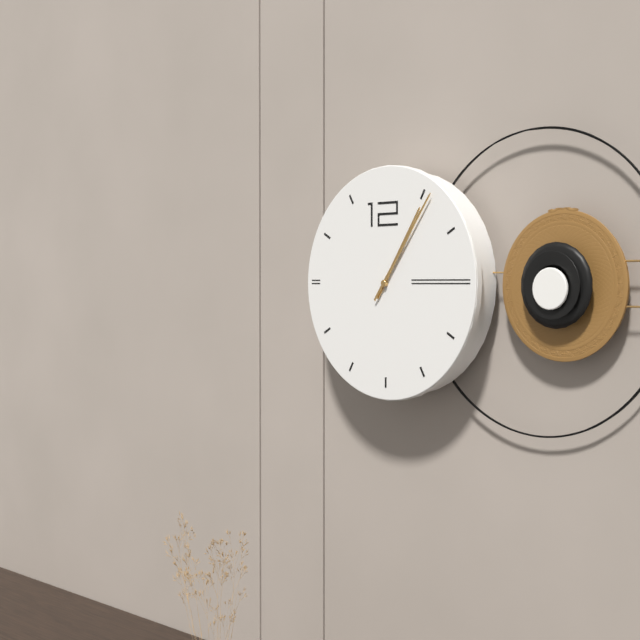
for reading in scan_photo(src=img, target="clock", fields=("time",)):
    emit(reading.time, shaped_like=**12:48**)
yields **1:06**
